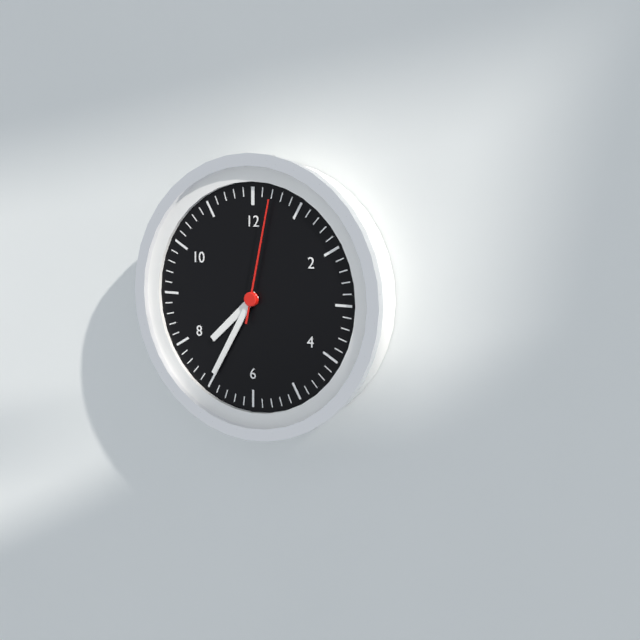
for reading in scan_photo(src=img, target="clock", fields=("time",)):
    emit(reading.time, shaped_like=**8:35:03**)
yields **7:35:02**
